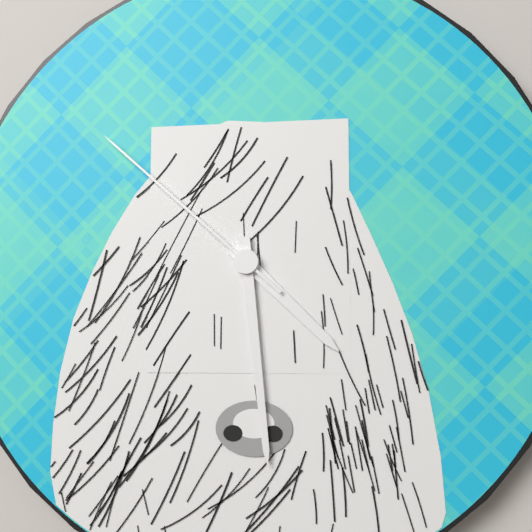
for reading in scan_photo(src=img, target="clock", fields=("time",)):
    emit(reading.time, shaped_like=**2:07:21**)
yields **4:29:52**
